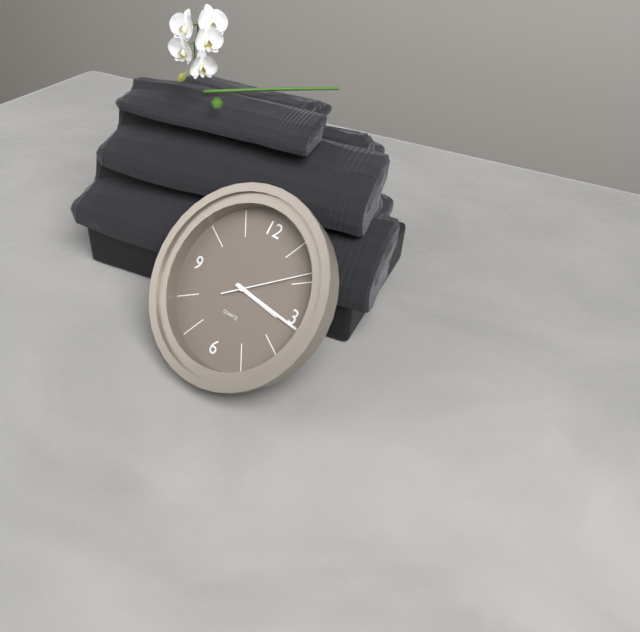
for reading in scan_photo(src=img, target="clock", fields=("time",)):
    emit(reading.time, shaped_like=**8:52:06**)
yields **3:16:09**
